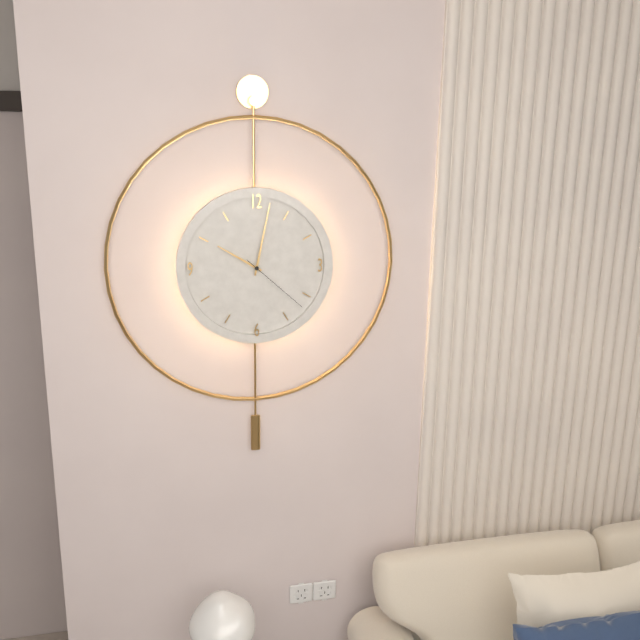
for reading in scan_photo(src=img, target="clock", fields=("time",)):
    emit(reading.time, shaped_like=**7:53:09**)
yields **10:02:22**
